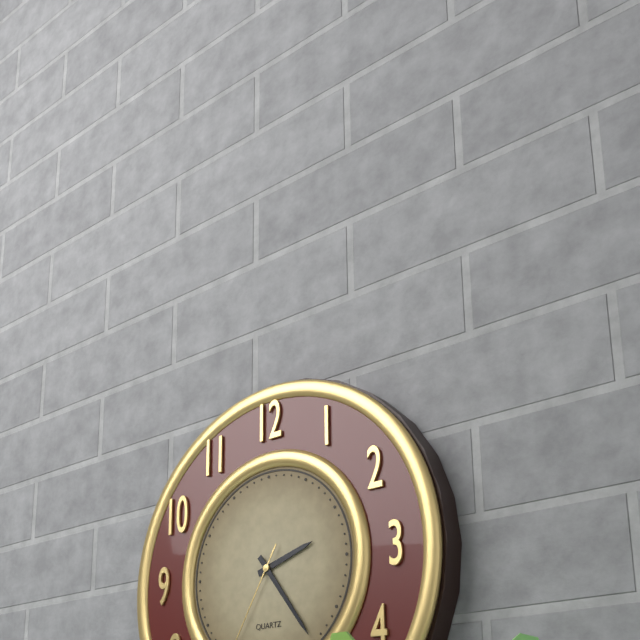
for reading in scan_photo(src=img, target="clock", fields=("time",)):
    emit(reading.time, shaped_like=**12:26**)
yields **2:24**
